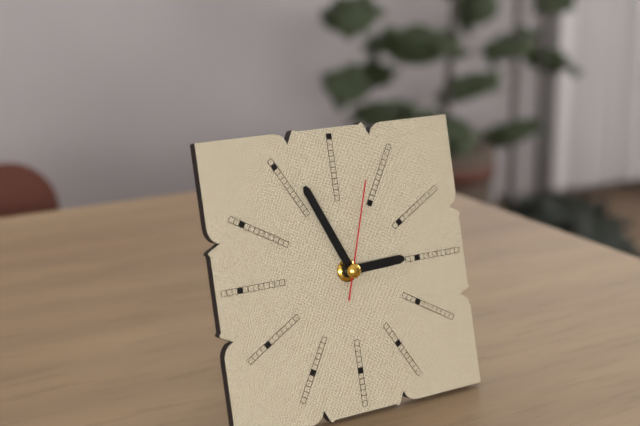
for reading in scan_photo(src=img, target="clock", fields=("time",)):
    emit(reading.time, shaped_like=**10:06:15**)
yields **2:56:03**
